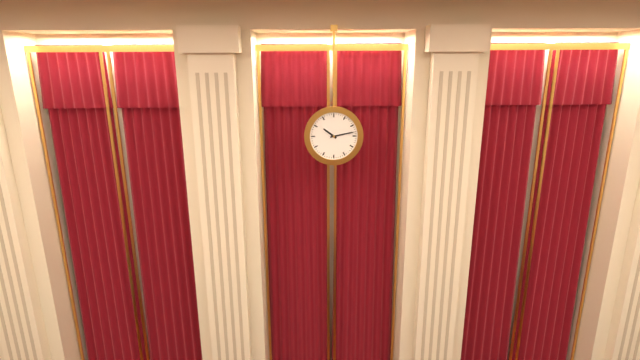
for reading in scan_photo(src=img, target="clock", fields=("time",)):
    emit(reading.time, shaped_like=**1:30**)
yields **10:13**
